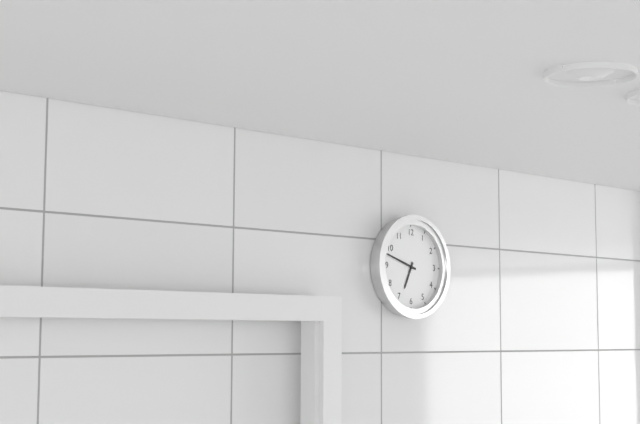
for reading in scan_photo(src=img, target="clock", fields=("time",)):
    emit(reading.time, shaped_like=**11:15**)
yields **6:48**
